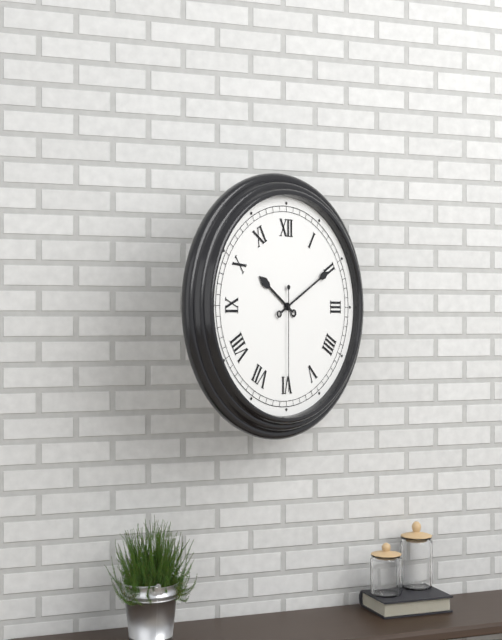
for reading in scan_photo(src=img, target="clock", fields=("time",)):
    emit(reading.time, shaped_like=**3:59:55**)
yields **10:10:30**
